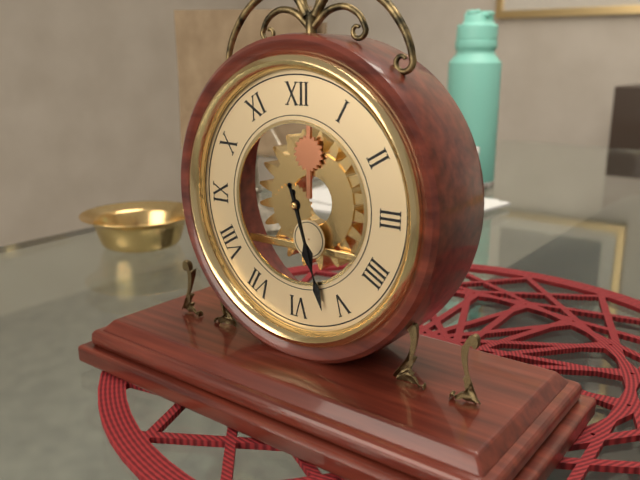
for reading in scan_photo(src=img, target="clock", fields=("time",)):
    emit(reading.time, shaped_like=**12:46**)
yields **5:27**
